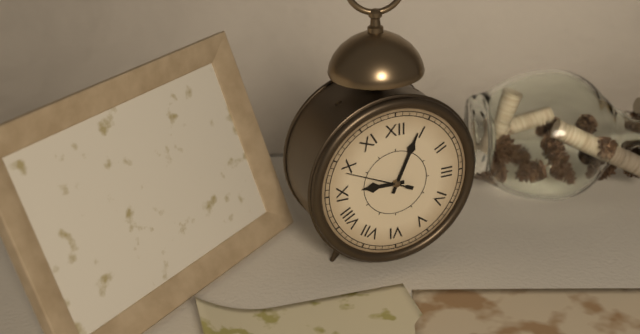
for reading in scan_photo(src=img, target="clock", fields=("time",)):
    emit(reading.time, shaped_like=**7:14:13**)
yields **9:04:49**
